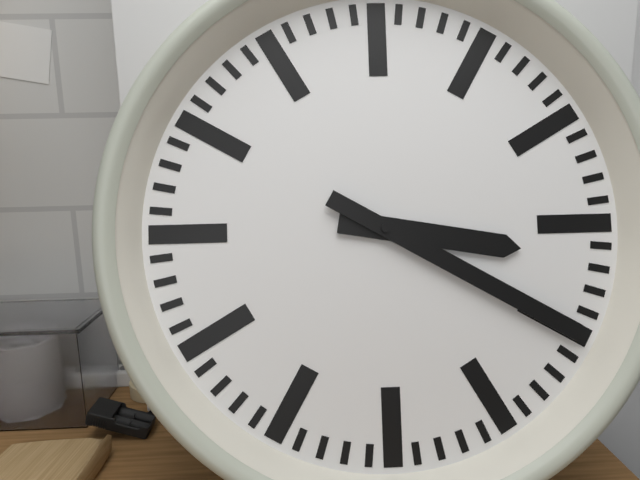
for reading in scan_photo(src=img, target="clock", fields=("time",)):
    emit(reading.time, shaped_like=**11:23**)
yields **3:20**
